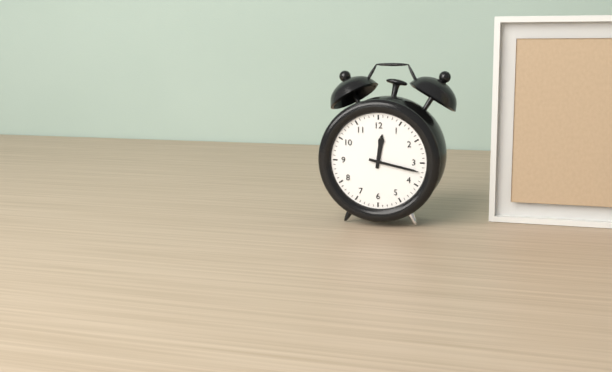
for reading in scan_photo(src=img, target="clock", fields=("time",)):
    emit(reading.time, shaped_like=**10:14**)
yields **12:17**
